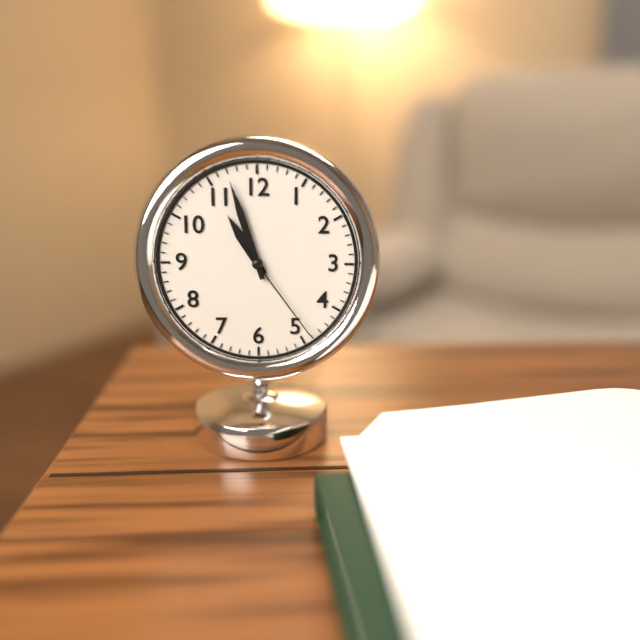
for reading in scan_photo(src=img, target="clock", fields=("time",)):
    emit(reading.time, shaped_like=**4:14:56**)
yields **10:57:24**
